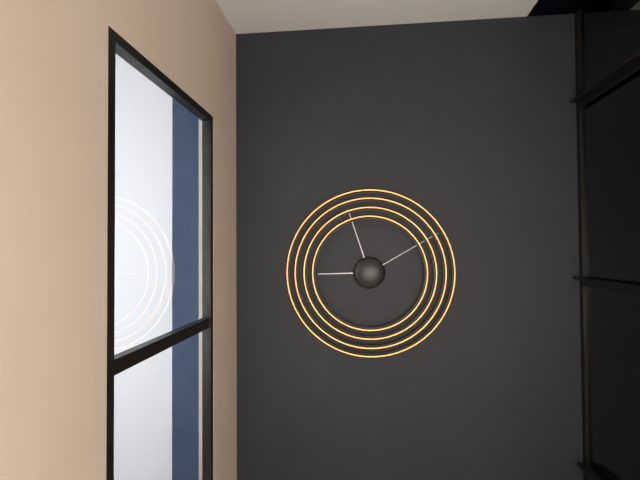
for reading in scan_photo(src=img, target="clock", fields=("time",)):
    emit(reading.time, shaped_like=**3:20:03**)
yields **8:57:10**
